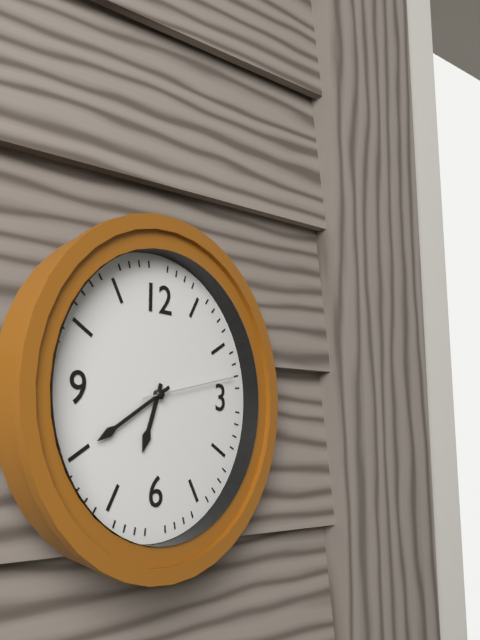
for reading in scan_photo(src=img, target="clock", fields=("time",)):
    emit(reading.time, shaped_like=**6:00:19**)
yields **6:40:13**
